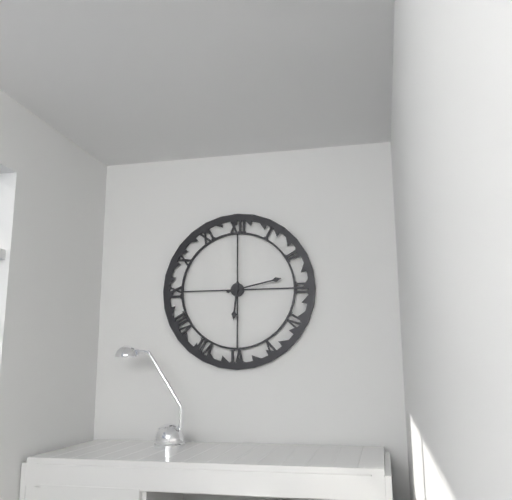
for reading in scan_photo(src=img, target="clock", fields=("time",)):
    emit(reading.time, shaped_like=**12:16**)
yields **6:13**
